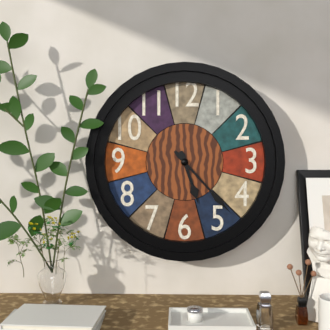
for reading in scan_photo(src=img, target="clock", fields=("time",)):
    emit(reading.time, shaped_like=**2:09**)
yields **5:23**
